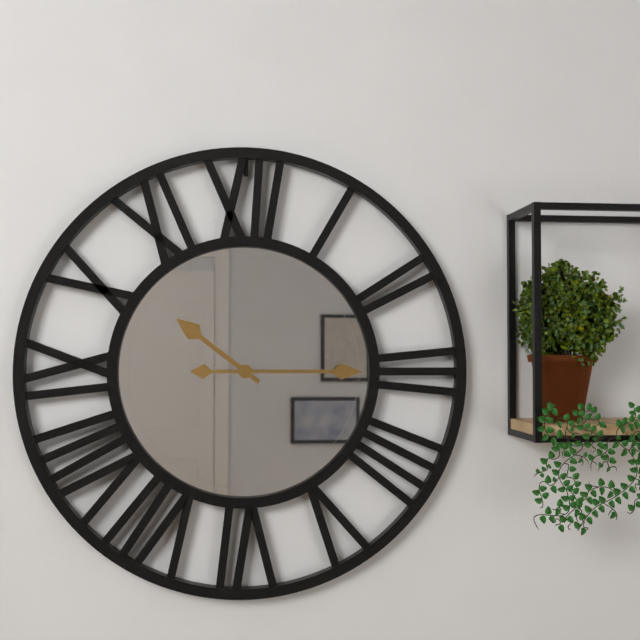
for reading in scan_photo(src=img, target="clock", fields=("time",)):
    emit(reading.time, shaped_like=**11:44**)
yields **10:15**
